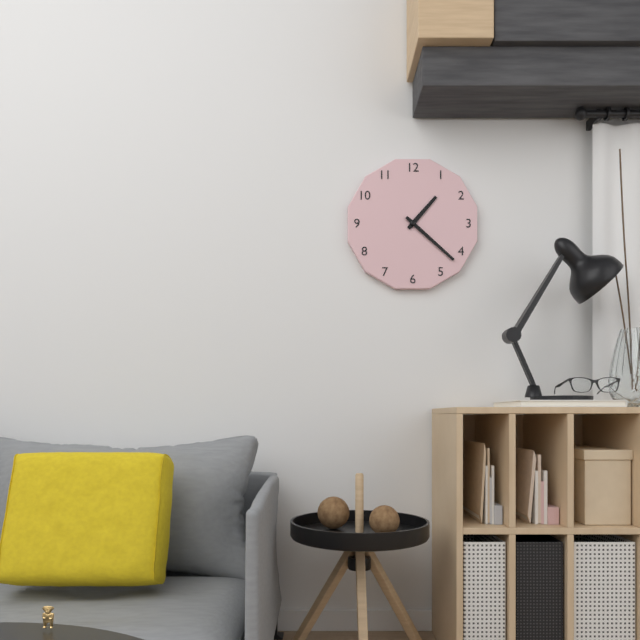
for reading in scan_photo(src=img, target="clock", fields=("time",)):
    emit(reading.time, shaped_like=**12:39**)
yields **1:22**
